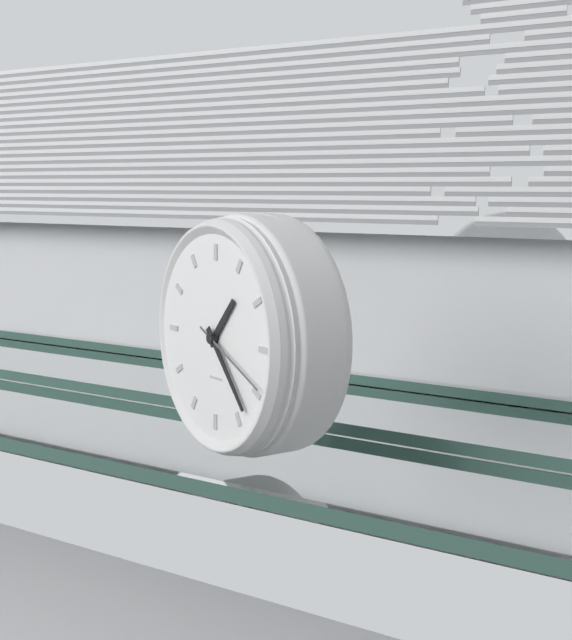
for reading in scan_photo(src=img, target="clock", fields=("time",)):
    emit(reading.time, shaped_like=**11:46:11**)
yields **1:23:19**
